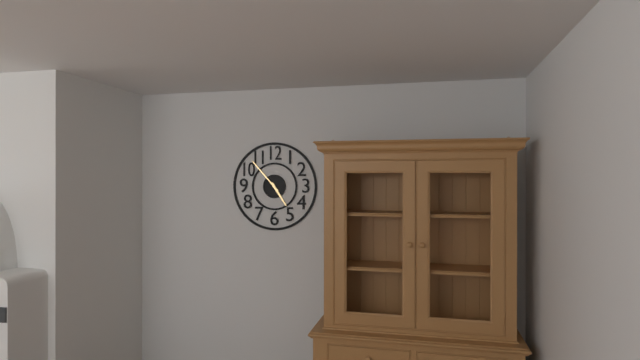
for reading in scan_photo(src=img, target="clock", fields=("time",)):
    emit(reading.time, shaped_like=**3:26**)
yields **4:53**
